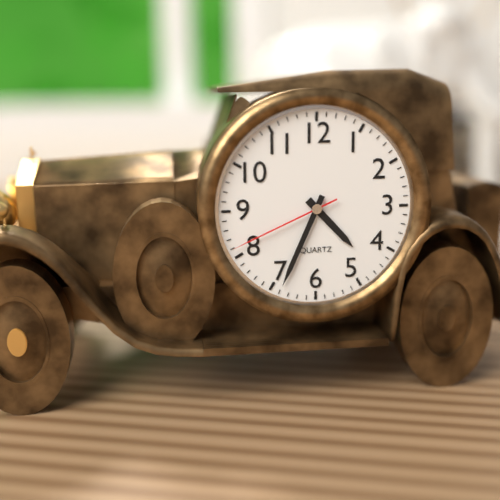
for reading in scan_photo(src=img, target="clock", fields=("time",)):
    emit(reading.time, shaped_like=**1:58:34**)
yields **4:34:41**
